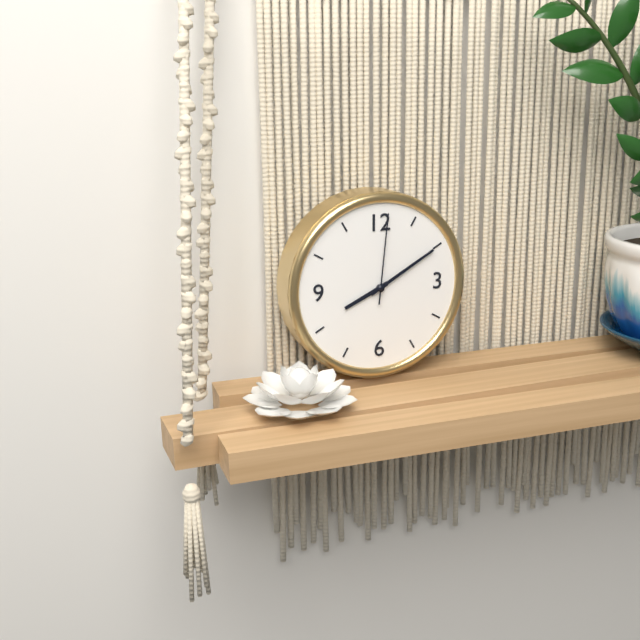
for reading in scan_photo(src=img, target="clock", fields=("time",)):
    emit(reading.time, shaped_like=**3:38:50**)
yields **8:10:01**
